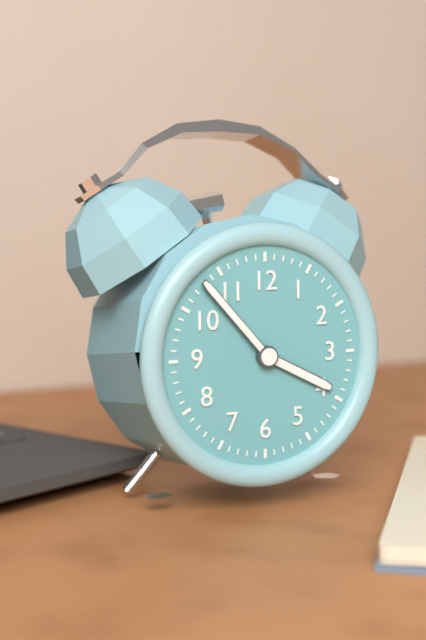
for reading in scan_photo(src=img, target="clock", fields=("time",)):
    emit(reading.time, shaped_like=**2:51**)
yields **3:53**
